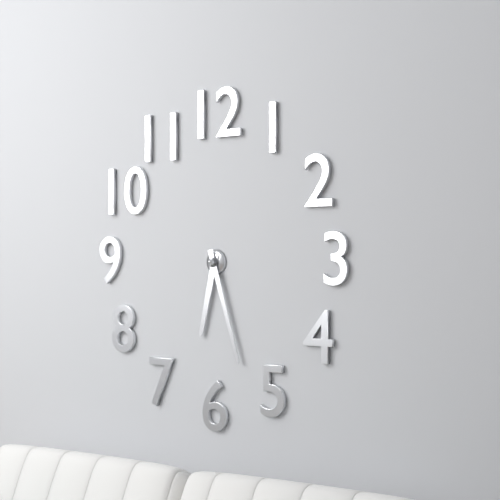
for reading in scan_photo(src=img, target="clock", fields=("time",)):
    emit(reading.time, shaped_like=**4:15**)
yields **6:27**
